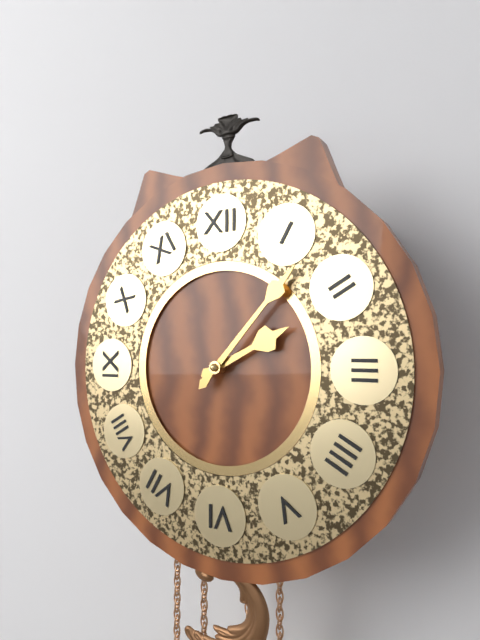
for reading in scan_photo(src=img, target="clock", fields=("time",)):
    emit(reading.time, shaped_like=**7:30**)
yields **2:07**
